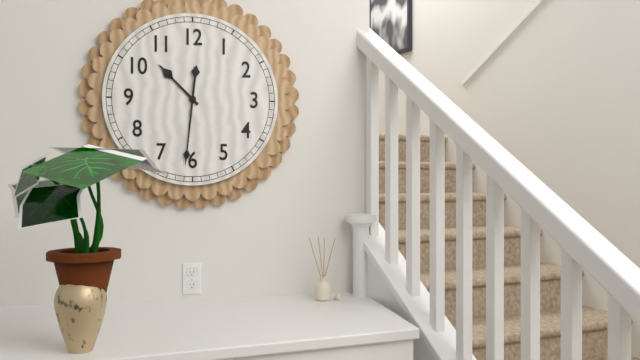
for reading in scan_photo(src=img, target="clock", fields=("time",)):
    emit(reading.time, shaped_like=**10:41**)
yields **10:31**
